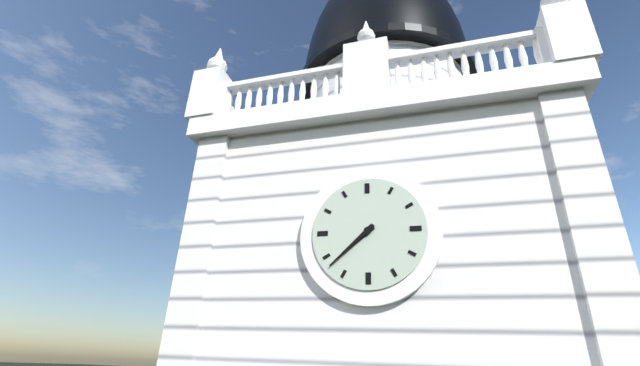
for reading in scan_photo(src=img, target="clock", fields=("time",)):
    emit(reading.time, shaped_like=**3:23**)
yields **7:38**
